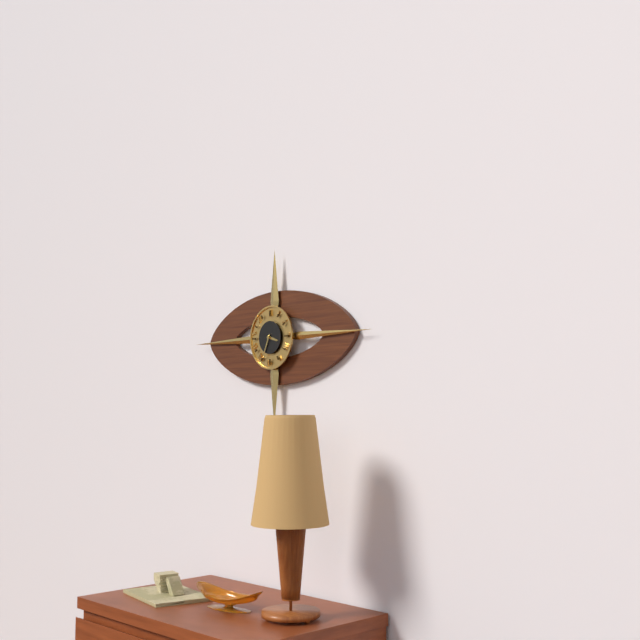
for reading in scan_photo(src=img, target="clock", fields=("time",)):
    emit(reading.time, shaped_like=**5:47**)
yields **3:34**
